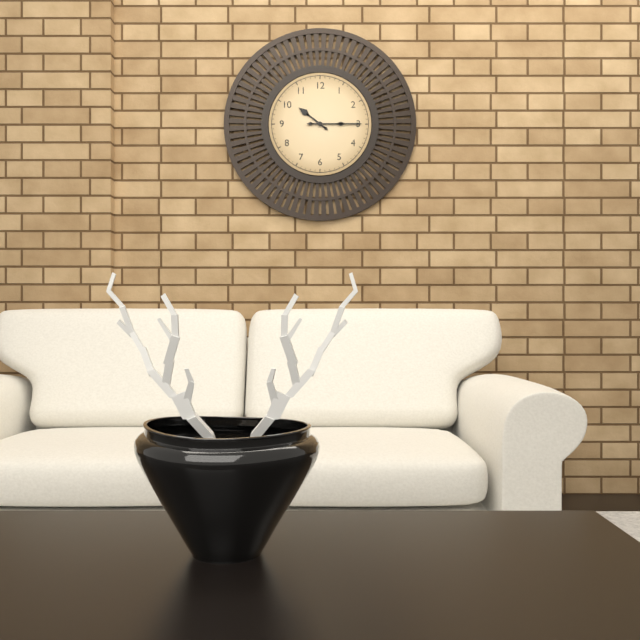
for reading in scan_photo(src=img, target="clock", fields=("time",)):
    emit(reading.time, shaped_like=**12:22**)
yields **10:15**
